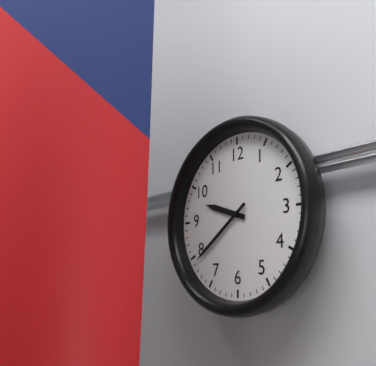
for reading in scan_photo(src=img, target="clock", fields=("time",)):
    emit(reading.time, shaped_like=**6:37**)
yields **9:39**
